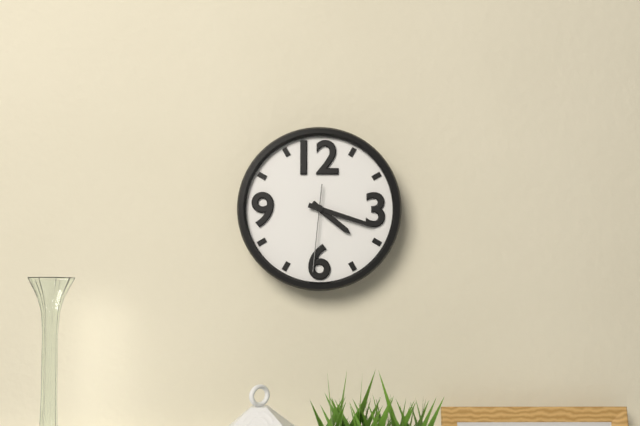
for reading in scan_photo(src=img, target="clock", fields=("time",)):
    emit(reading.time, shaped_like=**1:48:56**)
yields **4:18:31**
